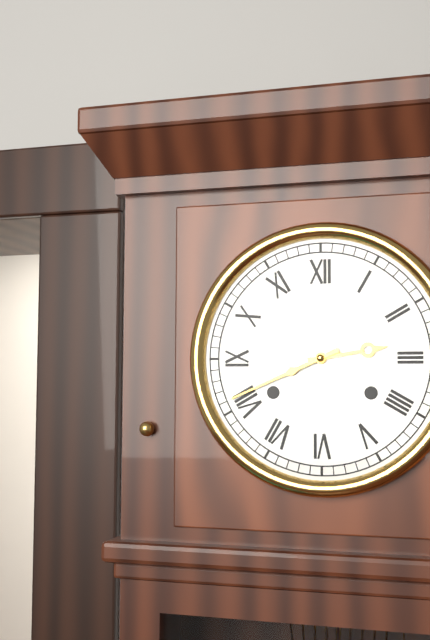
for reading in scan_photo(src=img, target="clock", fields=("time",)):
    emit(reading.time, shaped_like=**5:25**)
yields **2:41**
